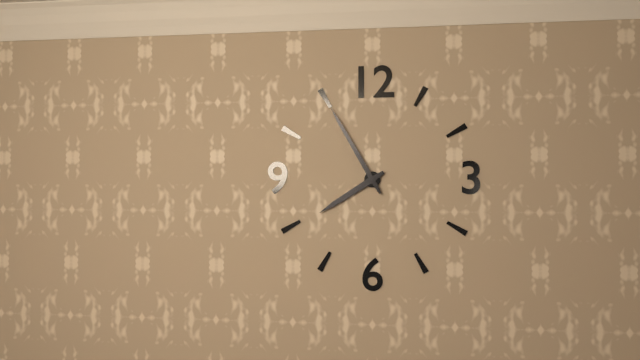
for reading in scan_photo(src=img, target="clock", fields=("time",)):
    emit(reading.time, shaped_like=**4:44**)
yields **7:55**
